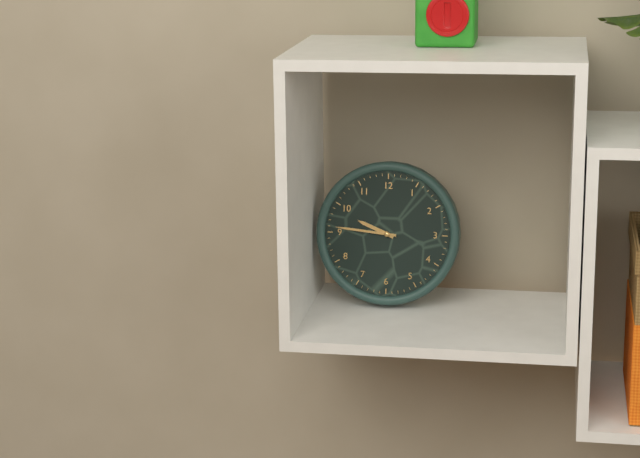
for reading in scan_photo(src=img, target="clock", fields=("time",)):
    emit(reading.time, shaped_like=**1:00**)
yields **9:46**
